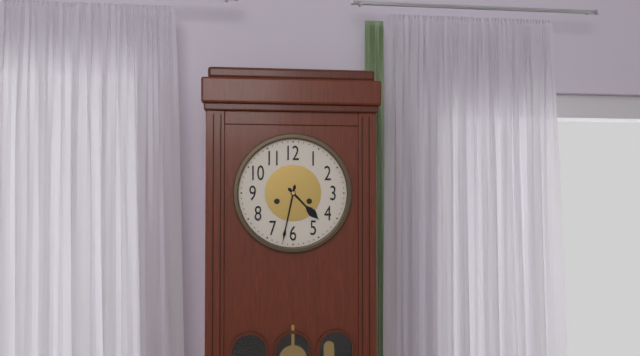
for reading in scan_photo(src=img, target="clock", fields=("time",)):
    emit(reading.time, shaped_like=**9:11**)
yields **4:32**
